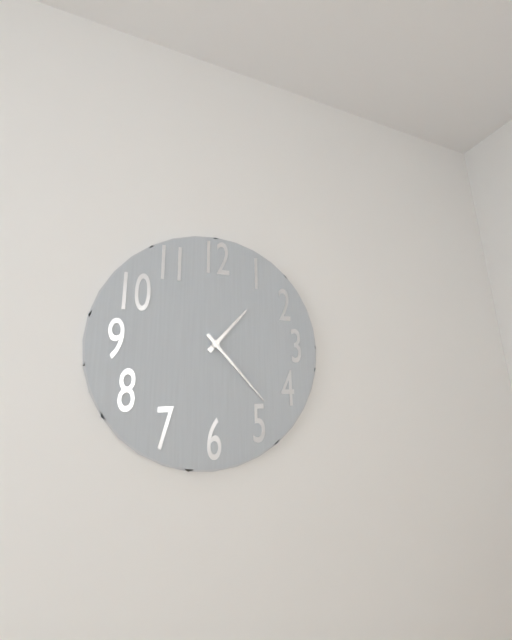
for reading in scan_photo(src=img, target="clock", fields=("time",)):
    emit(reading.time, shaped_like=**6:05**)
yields **1:23**
